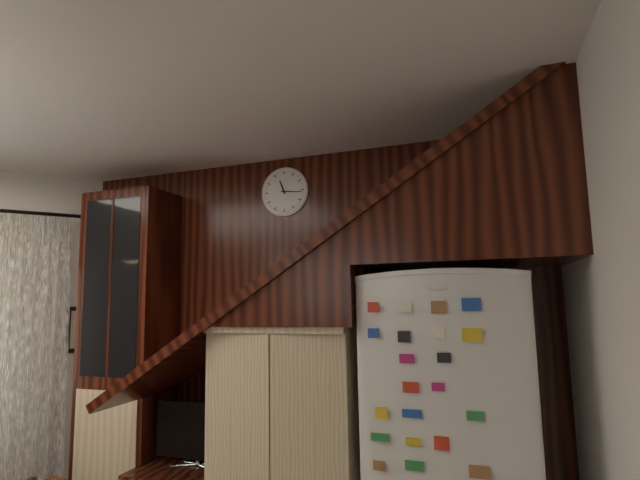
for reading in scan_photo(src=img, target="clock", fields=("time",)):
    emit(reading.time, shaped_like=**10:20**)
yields **11:16**
